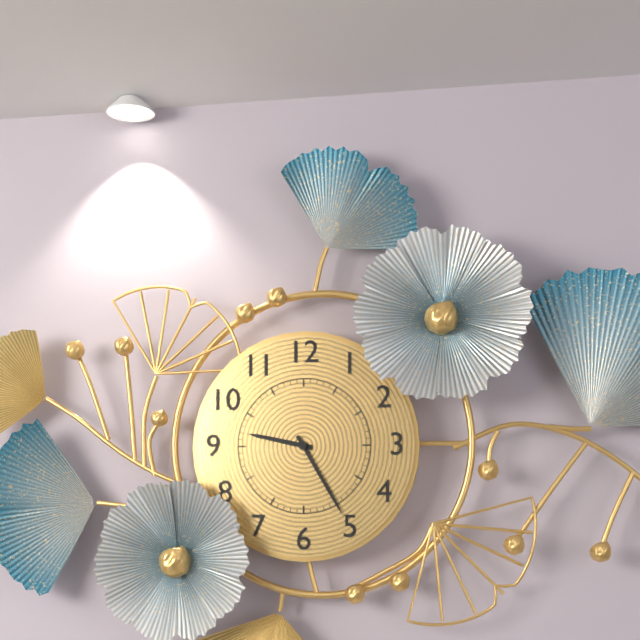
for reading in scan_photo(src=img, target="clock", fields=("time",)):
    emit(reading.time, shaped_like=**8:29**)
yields **9:25**
